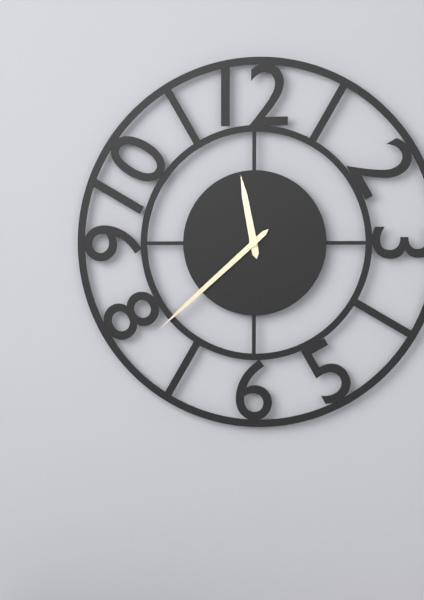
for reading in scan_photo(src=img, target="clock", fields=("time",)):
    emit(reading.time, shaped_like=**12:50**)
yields **11:38**
